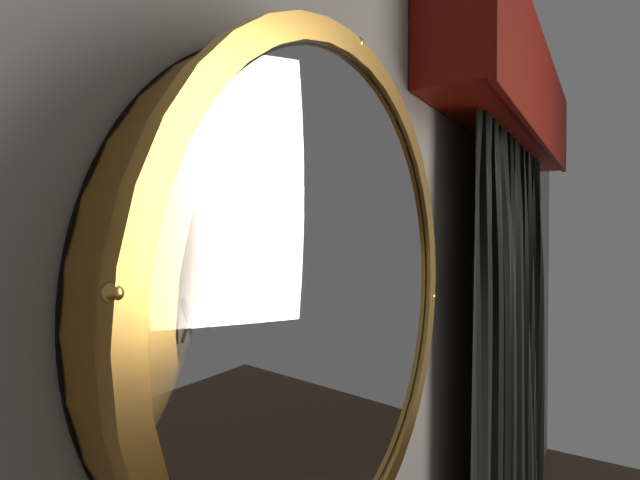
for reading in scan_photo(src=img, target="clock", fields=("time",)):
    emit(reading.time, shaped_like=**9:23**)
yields **8:03**
